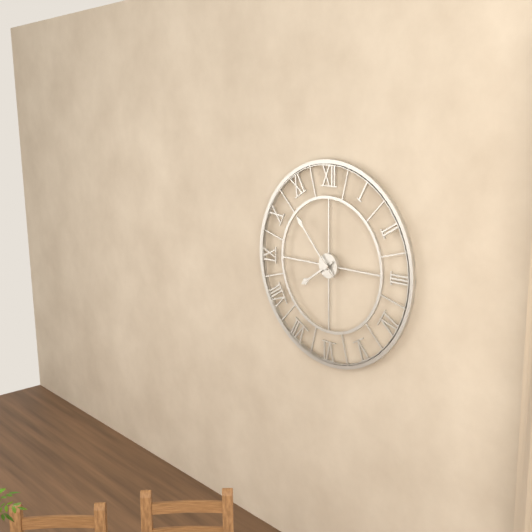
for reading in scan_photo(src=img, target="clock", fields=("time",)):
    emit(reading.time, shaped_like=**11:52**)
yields **7:53**
